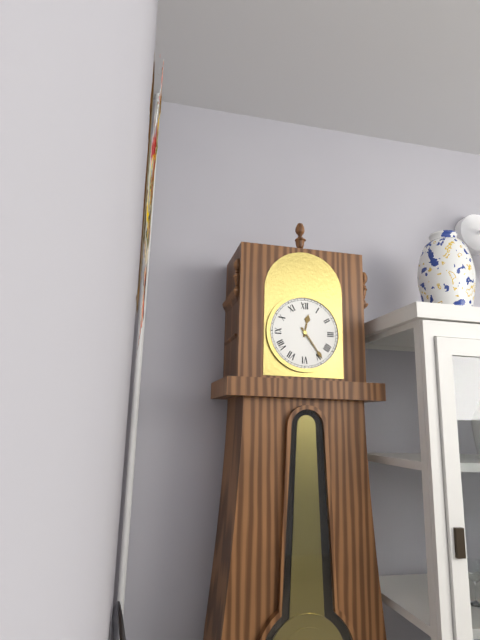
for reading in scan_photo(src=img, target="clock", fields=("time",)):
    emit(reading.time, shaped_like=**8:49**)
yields **12:24**
